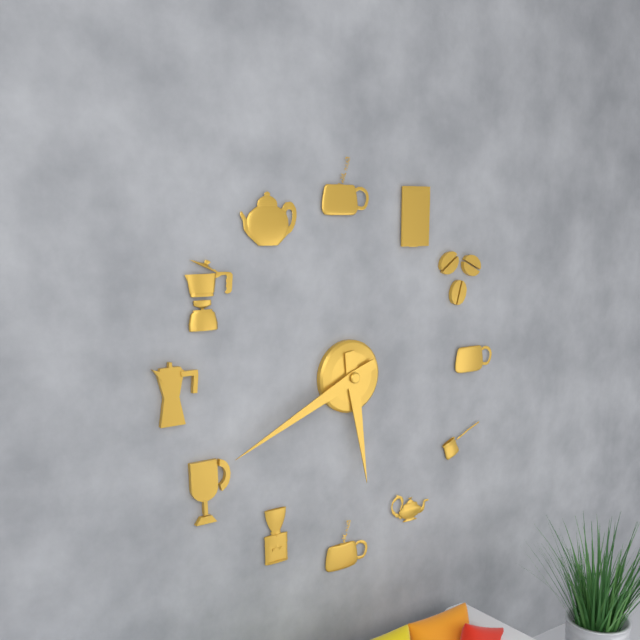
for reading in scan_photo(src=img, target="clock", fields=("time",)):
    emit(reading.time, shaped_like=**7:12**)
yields **5:41**
